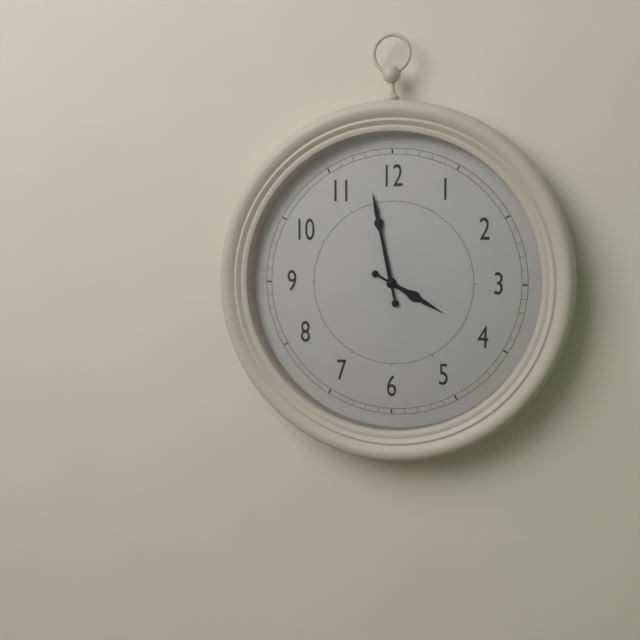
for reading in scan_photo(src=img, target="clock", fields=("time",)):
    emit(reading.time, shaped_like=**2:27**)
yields **3:58**
